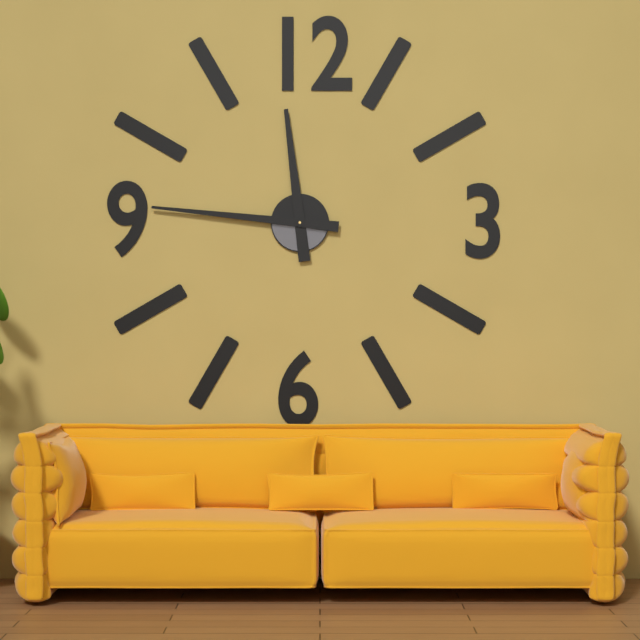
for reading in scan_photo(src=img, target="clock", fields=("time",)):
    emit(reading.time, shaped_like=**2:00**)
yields **11:46**
